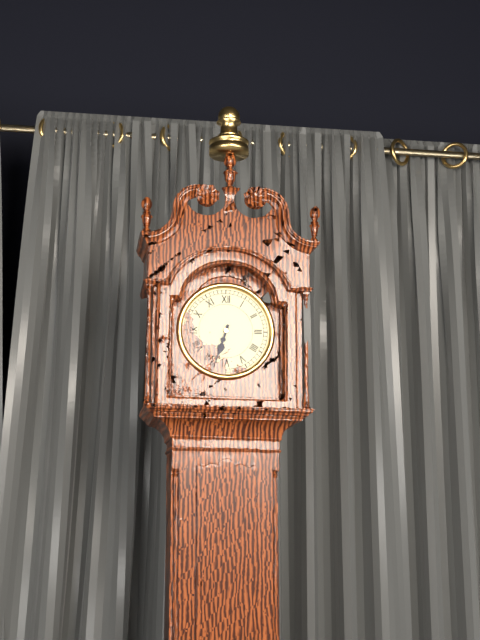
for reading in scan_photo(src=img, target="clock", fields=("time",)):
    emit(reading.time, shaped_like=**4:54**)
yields **6:33**
